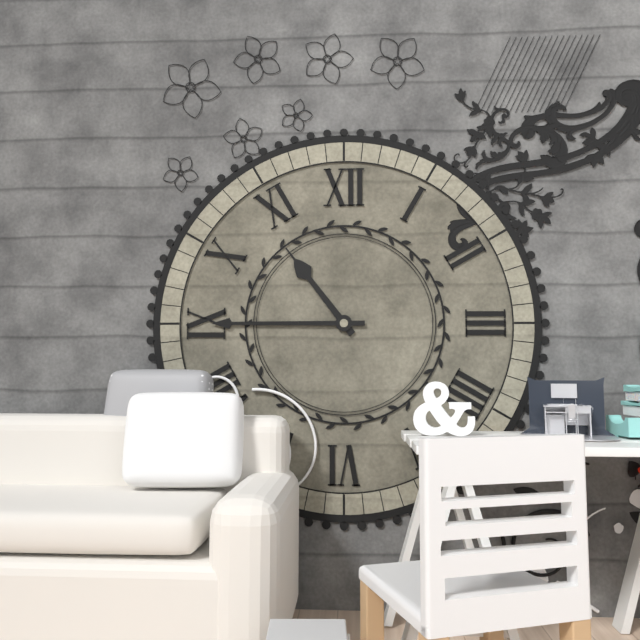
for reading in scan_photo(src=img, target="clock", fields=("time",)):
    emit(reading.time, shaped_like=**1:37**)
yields **10:45**
